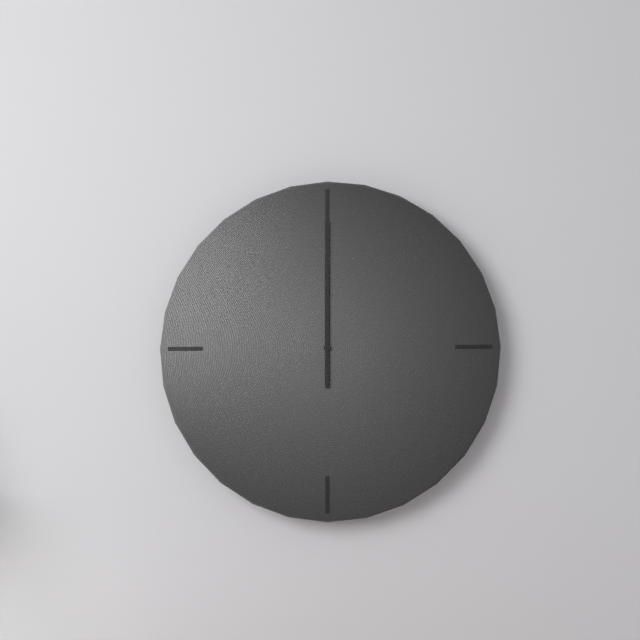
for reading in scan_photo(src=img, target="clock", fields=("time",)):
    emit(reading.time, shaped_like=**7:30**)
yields **12:00**
